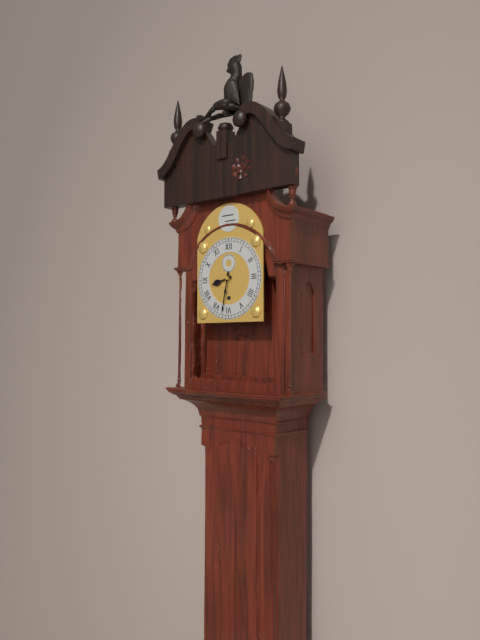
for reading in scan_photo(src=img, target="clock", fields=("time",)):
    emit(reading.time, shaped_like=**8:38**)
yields **8:32**
